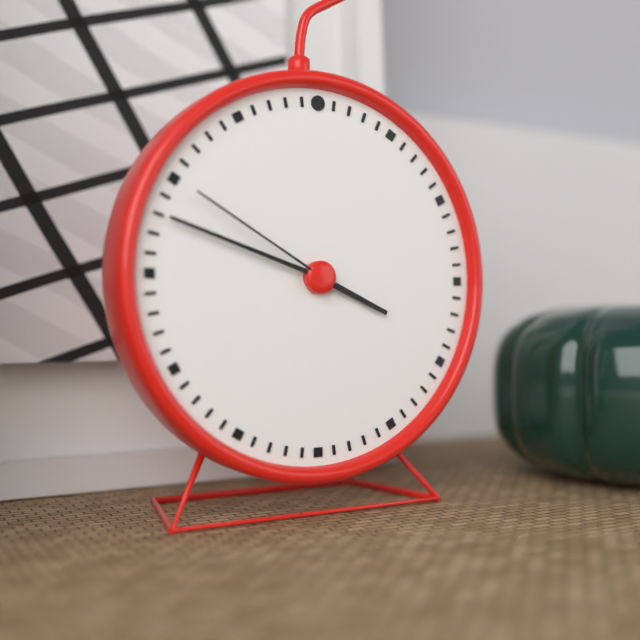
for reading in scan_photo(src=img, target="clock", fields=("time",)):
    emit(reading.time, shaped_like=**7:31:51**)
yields **3:48:50**
